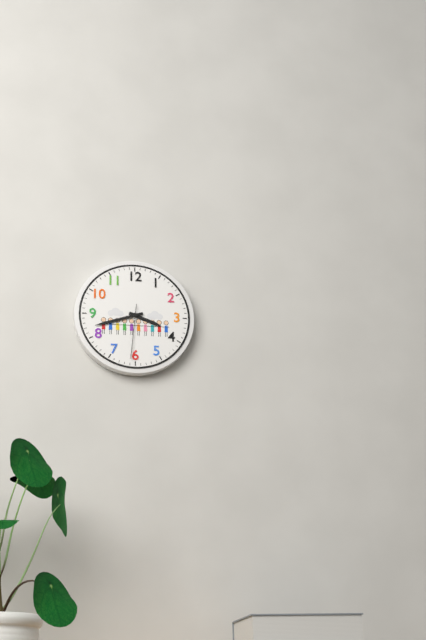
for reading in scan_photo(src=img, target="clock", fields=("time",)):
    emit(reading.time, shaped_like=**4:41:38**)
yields **3:42:31**
